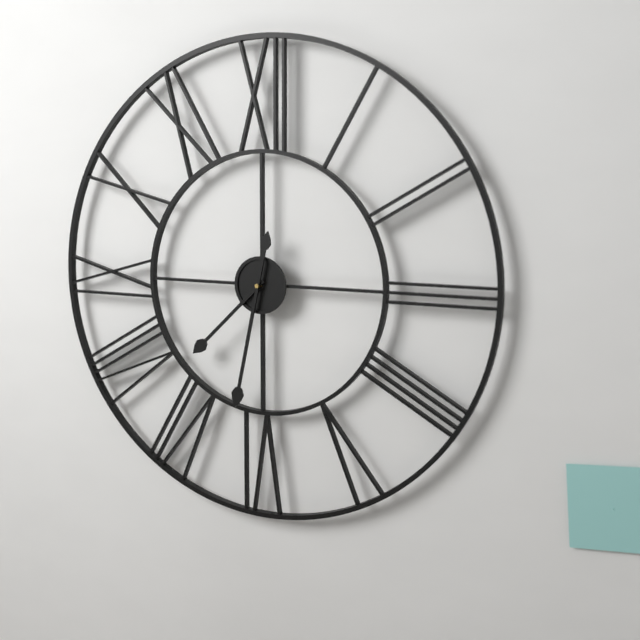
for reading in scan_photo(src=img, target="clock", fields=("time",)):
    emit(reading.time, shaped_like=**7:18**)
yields **7:32**
